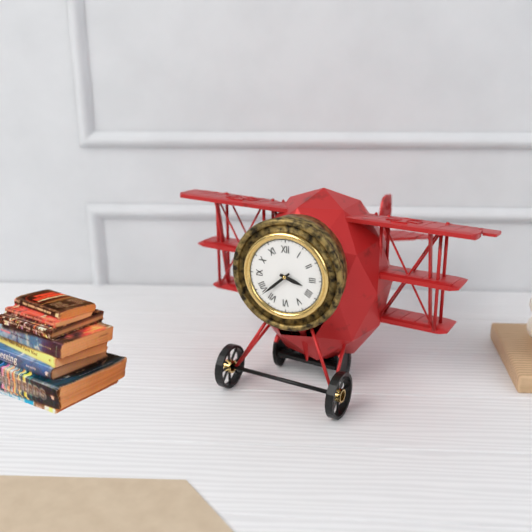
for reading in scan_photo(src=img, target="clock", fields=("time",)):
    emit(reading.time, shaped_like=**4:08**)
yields **3:38**
